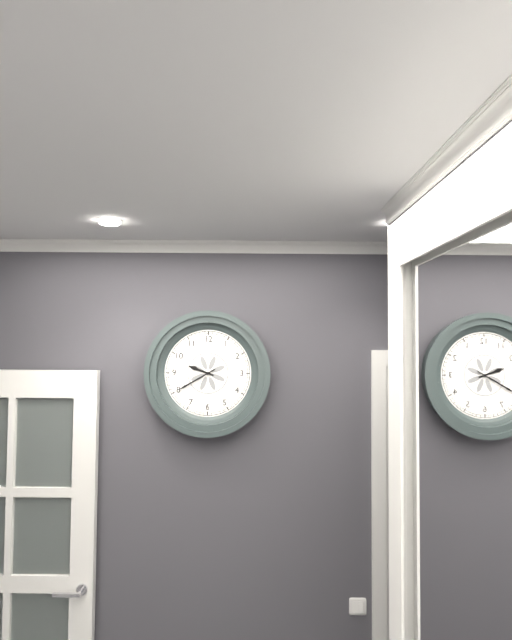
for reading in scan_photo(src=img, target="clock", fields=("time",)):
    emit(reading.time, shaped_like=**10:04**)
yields **9:40**
